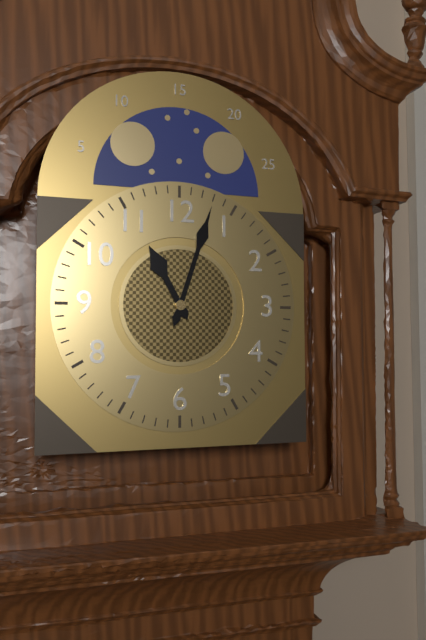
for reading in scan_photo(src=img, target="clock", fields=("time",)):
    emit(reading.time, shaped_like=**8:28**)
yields **11:03**
